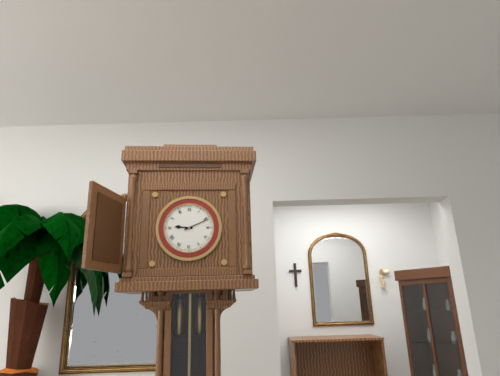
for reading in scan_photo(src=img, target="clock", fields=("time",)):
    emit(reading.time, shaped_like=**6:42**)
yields **9:11**
